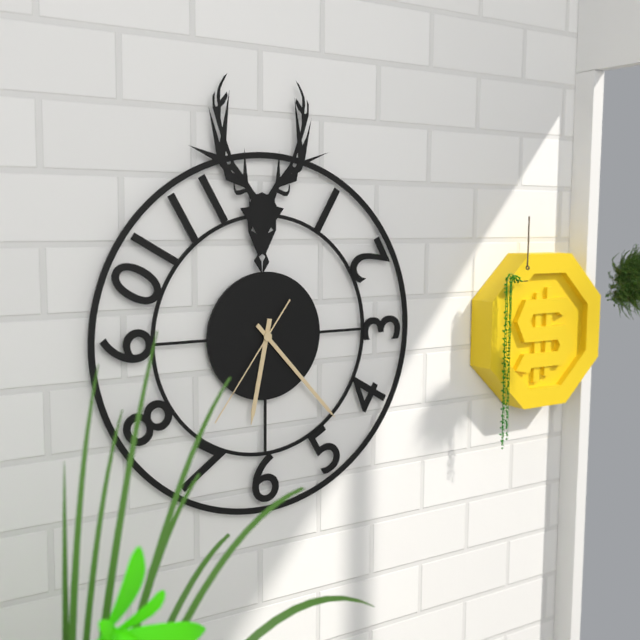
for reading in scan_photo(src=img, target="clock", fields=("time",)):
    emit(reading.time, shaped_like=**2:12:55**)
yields **6:23:36**
